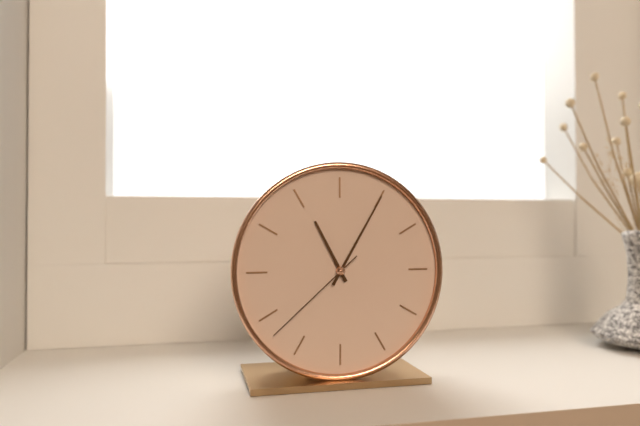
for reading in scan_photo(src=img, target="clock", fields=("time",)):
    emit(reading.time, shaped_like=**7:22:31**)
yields **11:05:38**
